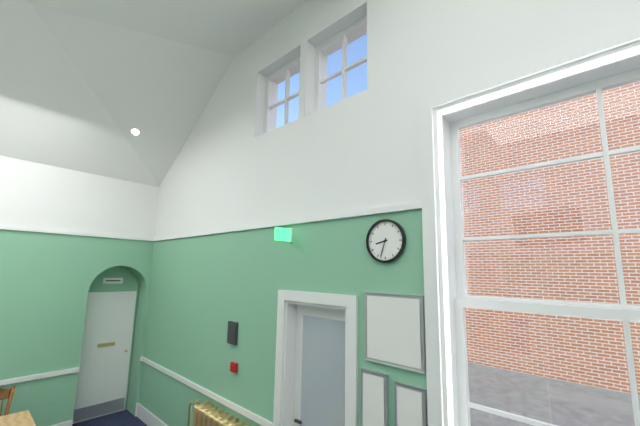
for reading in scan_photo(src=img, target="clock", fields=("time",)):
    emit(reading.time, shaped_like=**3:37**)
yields **8:33**
